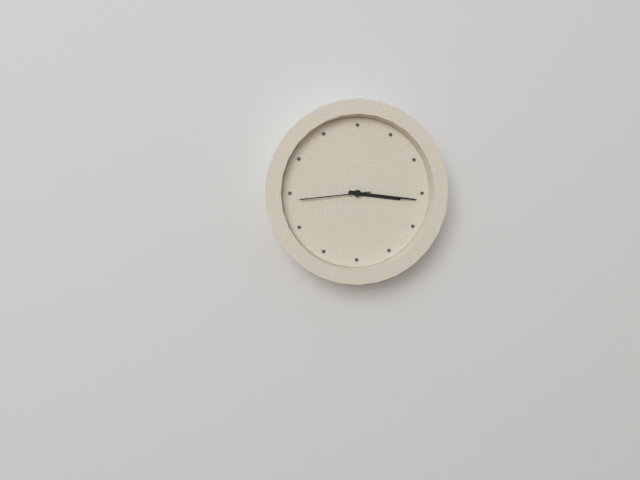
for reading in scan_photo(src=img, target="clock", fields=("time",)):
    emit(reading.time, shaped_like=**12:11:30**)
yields **3:16:44**
